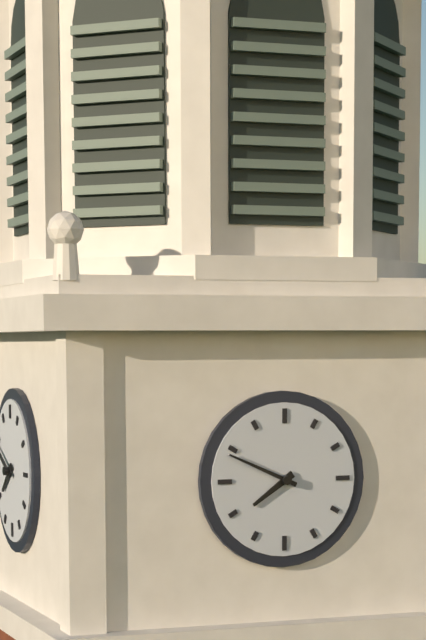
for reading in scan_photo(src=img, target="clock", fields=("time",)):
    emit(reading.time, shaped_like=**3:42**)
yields **7:49**
